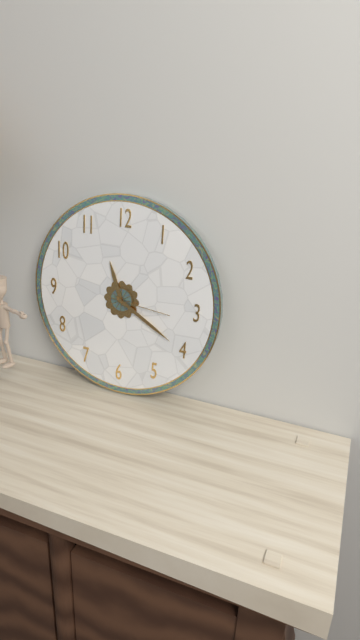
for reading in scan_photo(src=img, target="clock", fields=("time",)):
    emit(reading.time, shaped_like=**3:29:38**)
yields **11:20:16**
